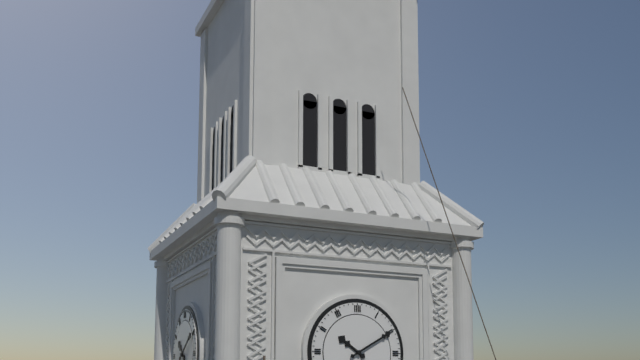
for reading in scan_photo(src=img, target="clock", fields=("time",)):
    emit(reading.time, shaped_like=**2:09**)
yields **10:10**
